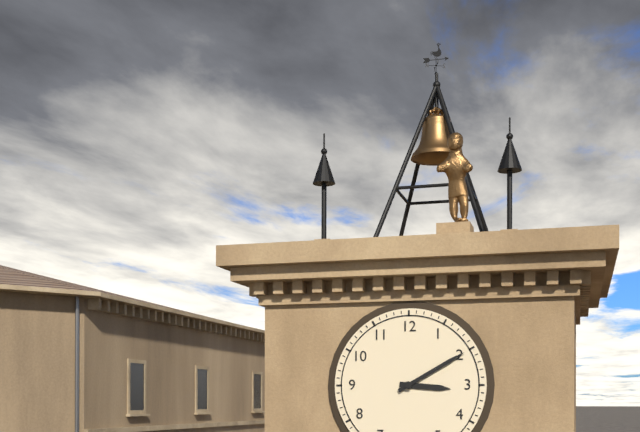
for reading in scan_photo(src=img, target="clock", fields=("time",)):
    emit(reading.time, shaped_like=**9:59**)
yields **3:10**
